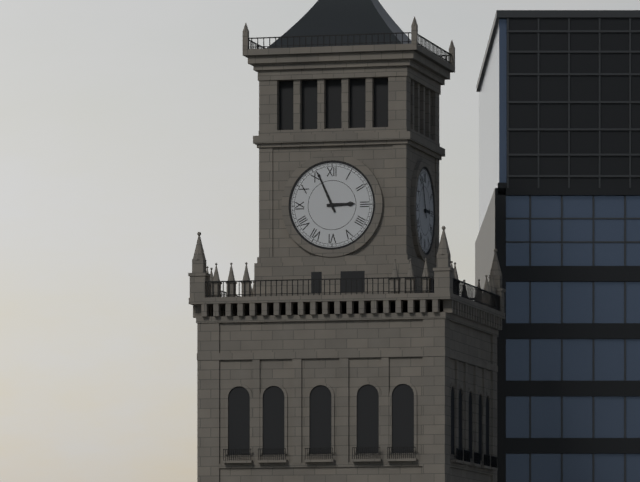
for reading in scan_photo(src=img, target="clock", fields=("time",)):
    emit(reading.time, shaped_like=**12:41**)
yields **2:56**
